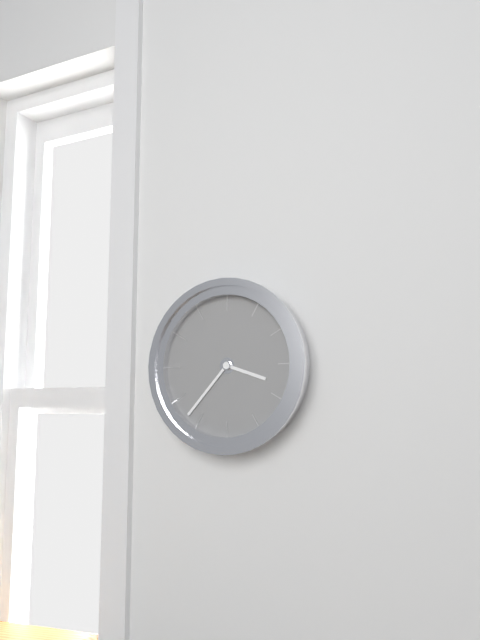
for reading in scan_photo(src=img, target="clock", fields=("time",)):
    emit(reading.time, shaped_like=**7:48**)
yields **3:37**
